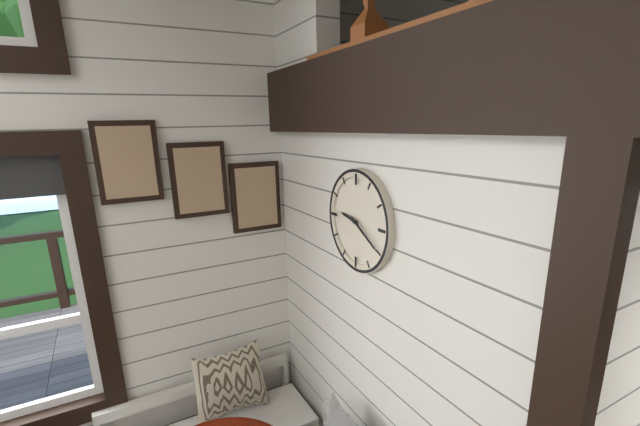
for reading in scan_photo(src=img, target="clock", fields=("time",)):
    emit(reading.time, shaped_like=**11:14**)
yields **9:20**
